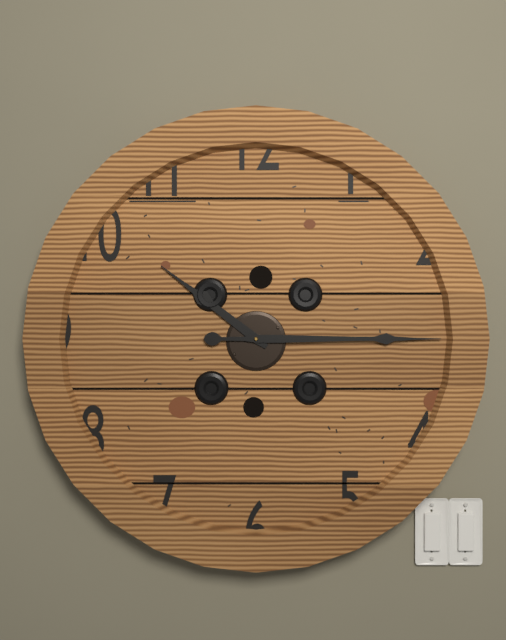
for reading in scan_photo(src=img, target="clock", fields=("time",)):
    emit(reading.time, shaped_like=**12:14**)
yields **10:15**
